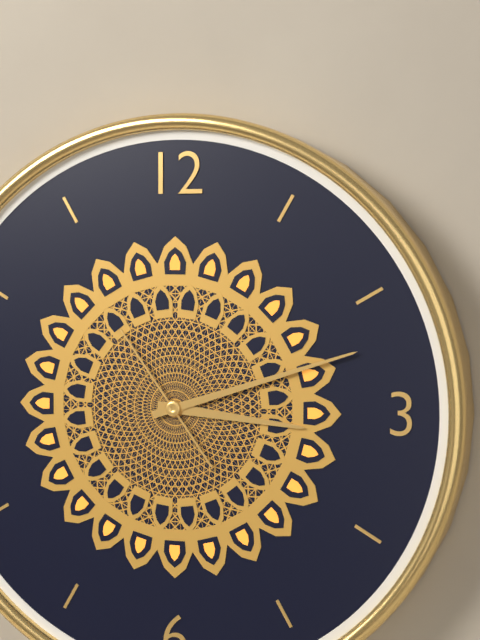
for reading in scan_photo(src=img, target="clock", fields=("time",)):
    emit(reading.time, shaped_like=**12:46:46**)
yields **3:12:54**
